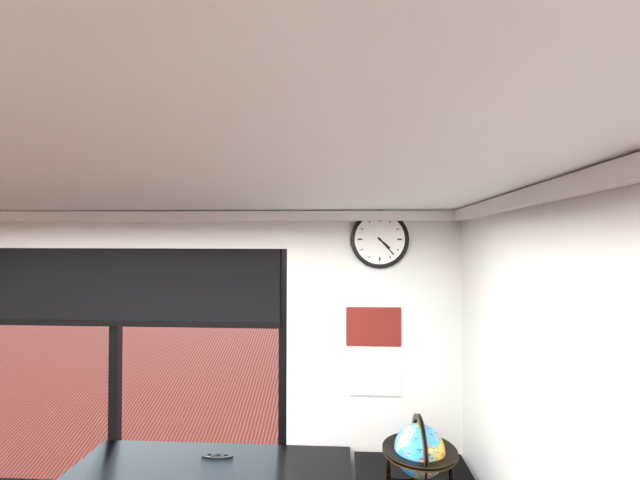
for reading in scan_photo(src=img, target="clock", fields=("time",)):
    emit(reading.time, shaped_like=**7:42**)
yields **4:23**
